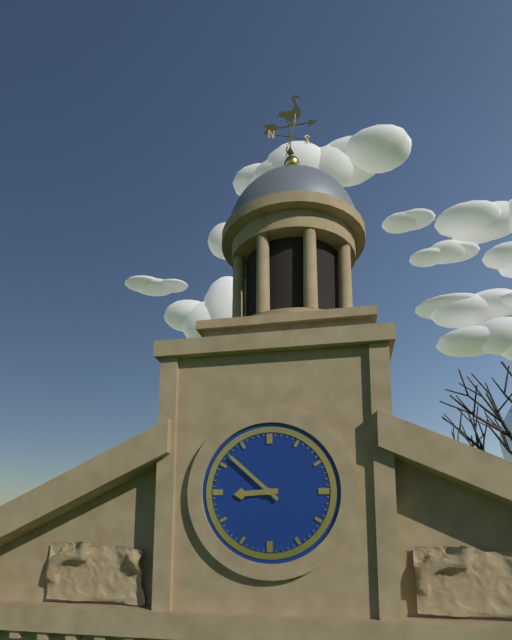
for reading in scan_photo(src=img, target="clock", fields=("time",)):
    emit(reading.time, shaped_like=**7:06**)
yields **8:52**
